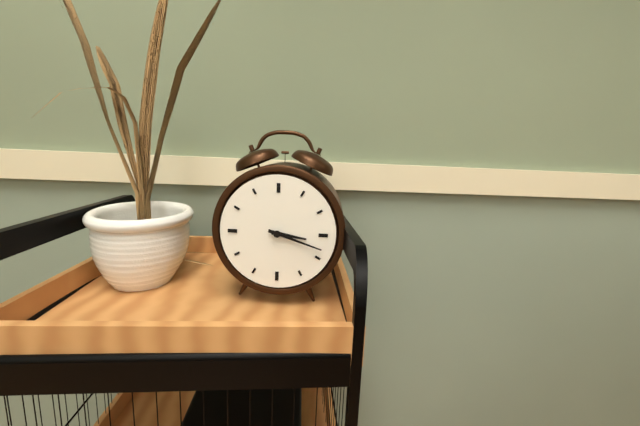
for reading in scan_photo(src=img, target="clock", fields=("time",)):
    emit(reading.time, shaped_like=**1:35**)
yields **3:18**
